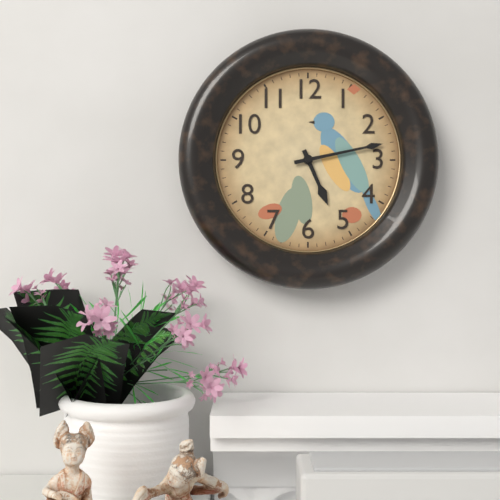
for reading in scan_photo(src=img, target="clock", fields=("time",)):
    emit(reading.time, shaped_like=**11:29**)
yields **5:13**
